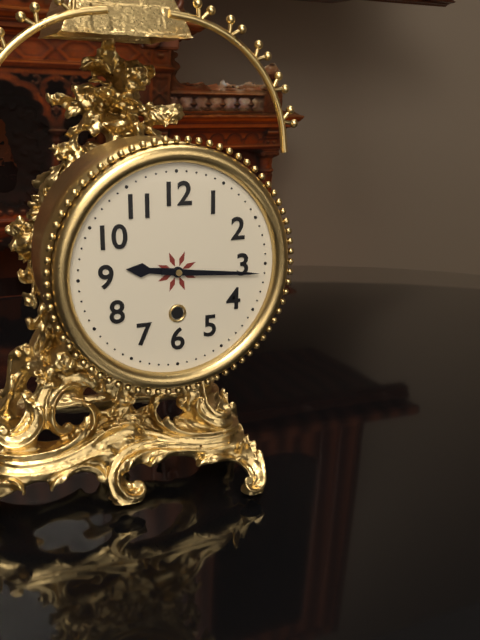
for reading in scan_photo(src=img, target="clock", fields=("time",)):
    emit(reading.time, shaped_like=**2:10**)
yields **9:16**
